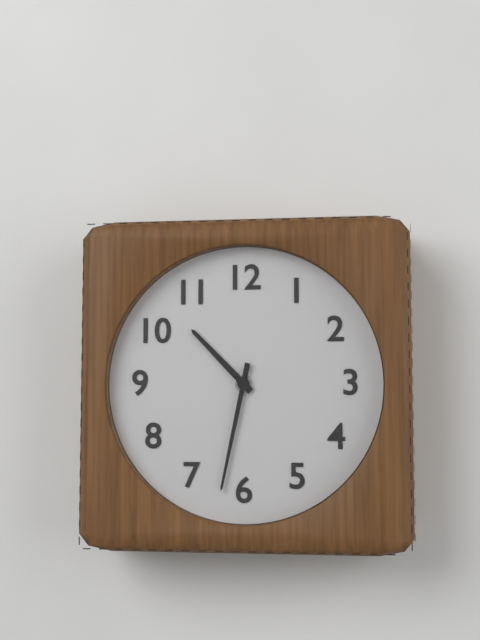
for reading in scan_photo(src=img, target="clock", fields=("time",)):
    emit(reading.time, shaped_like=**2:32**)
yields **10:32**
